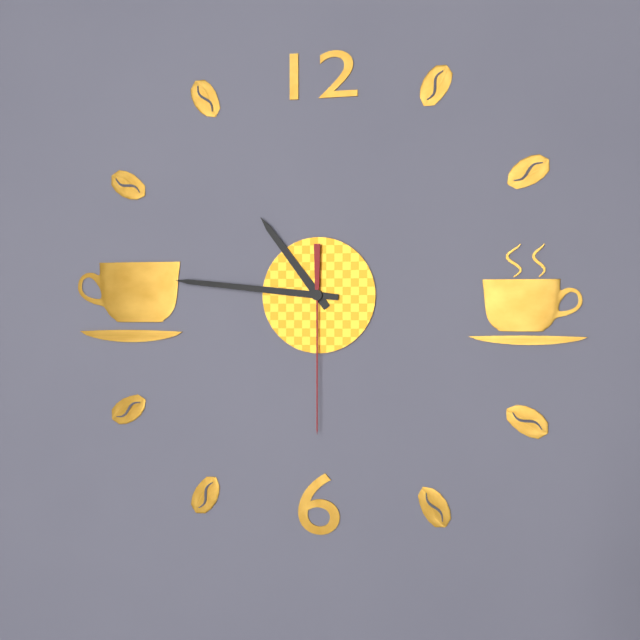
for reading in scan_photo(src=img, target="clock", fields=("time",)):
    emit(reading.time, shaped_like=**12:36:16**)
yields **10:46:30**
